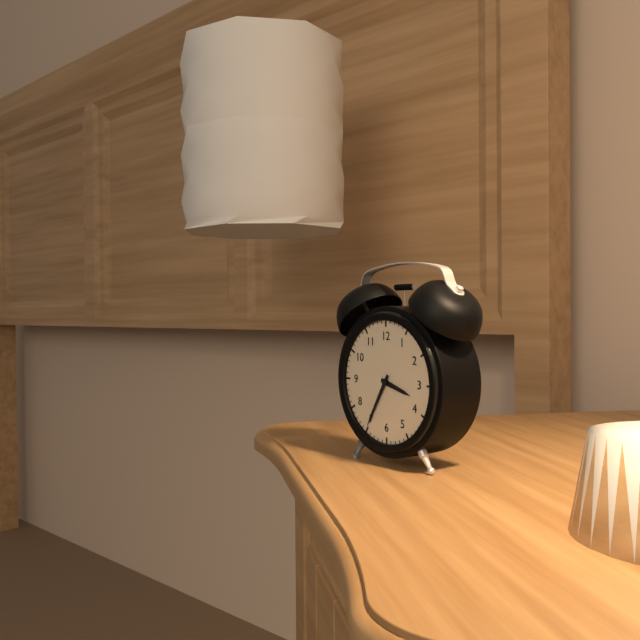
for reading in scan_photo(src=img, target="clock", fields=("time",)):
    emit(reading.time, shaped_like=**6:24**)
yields **3:35**
